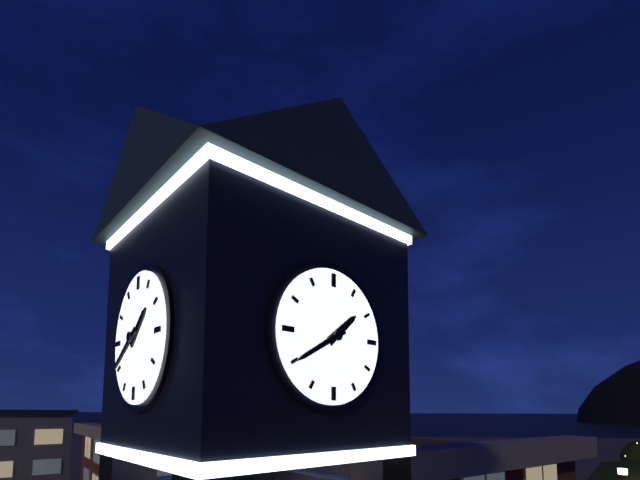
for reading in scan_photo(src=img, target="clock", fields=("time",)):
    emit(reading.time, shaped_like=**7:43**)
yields **1:40**
